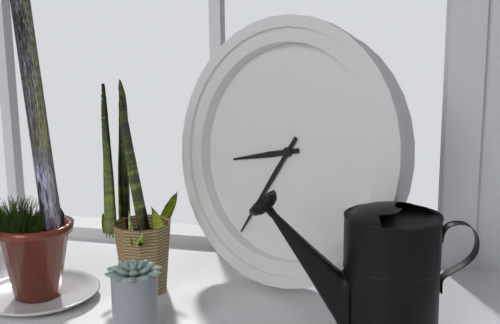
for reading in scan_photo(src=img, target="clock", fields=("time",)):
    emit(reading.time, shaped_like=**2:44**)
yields **8:35**
